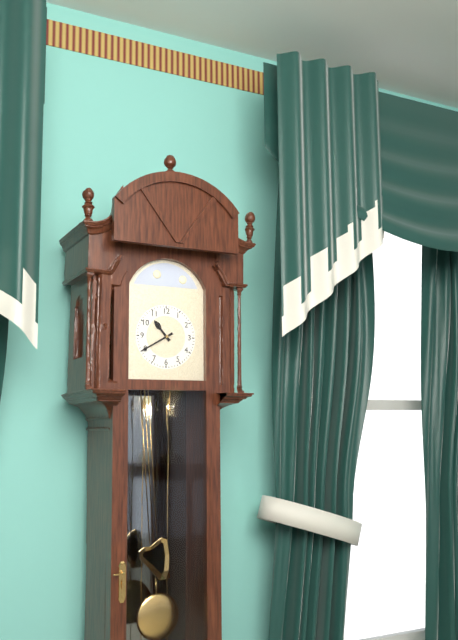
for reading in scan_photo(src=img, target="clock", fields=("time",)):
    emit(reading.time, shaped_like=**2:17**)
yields **10:40**
